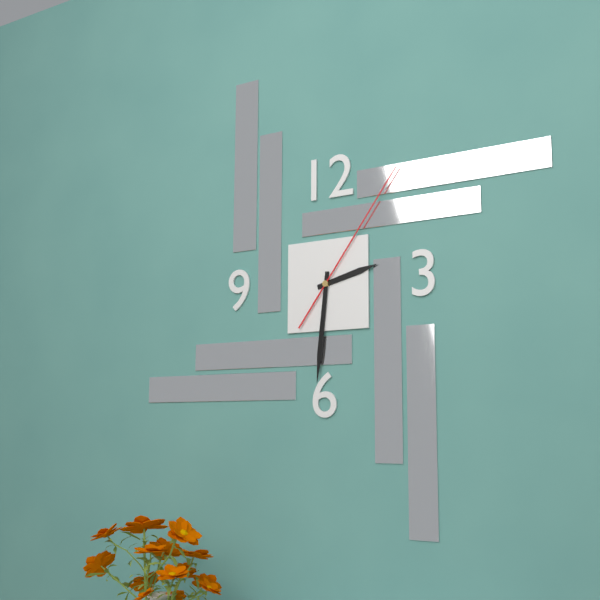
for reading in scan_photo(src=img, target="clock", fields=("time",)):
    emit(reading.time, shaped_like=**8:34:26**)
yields **2:31:06**
